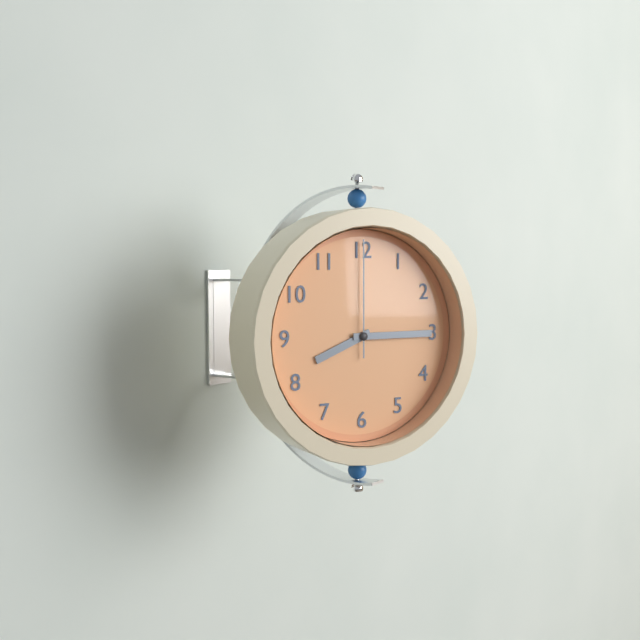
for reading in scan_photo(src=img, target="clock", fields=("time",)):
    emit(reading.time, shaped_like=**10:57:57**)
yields **8:15:00**
